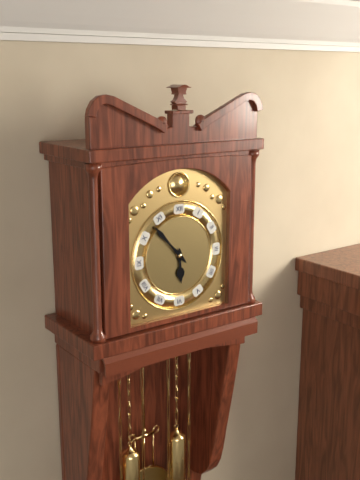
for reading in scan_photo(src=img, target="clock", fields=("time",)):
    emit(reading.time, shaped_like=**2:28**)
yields **5:53**
